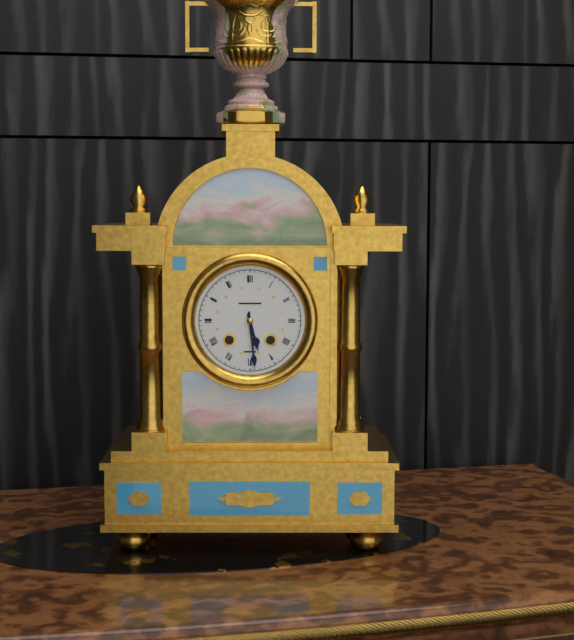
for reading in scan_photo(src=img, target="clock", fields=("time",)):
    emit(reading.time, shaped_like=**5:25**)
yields **5:29**
